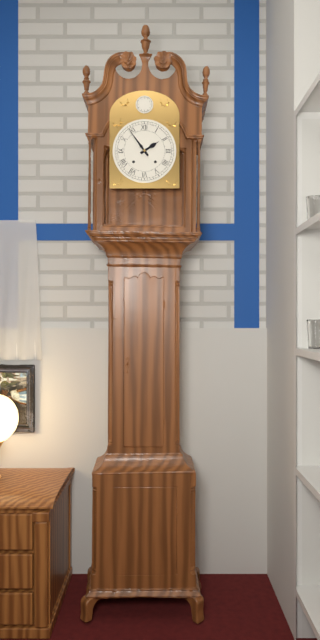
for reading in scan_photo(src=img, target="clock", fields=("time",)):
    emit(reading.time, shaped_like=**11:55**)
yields **1:54**
